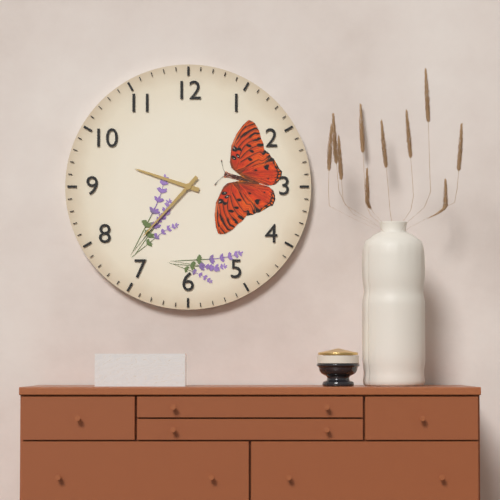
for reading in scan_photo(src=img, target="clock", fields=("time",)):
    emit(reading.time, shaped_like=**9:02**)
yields **9:37**
